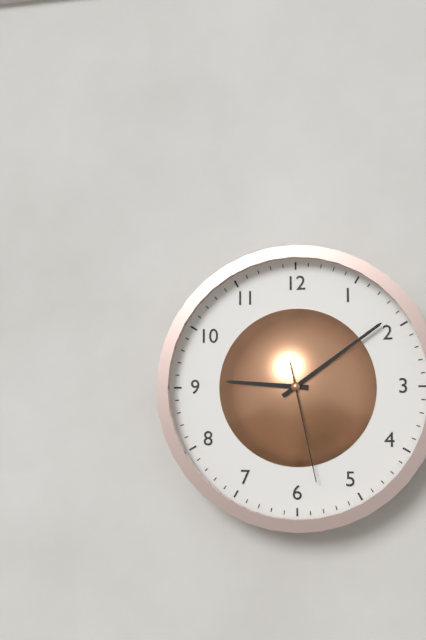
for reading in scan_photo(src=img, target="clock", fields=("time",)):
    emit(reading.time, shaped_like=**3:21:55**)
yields **9:09:28**
